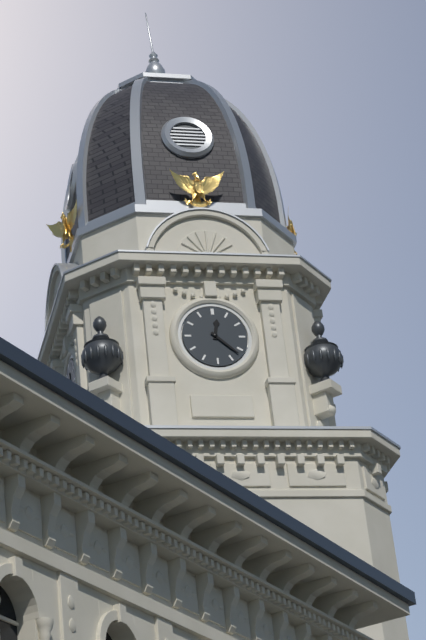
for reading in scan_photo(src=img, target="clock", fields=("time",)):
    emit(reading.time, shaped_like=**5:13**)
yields **12:22**
